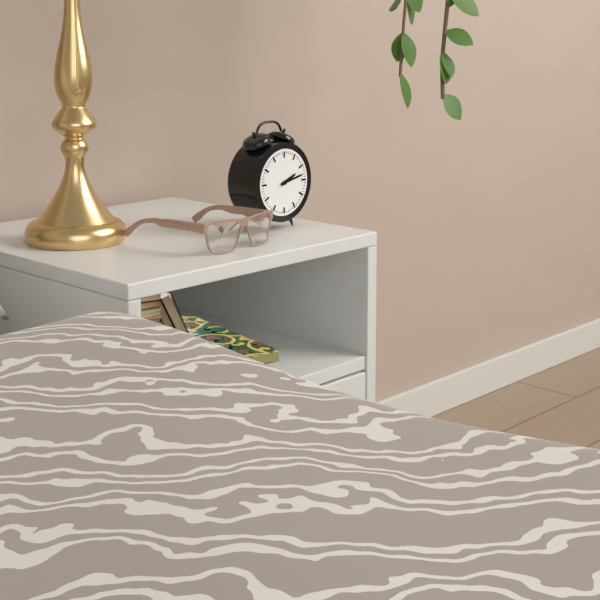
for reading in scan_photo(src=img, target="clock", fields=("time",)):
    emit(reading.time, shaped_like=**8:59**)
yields **2:13**
